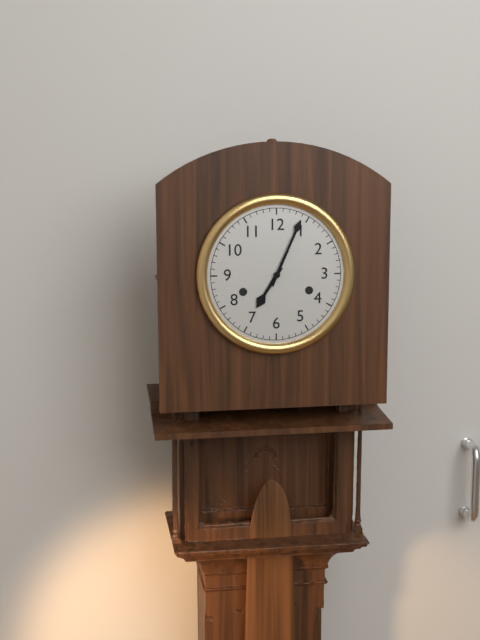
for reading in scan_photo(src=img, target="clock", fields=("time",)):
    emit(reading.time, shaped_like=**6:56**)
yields **7:04**
